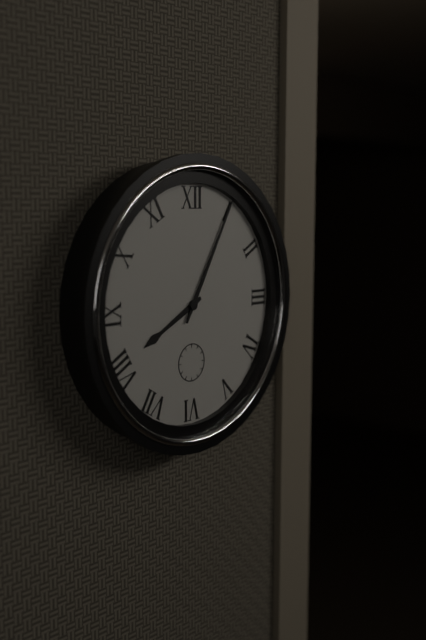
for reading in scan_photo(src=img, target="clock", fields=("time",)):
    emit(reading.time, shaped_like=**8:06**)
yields **8:05**
